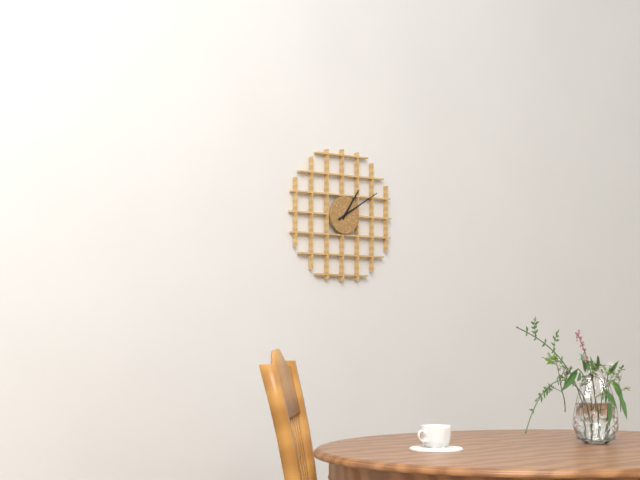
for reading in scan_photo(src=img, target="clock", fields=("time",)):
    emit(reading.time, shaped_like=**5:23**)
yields **1:10**
